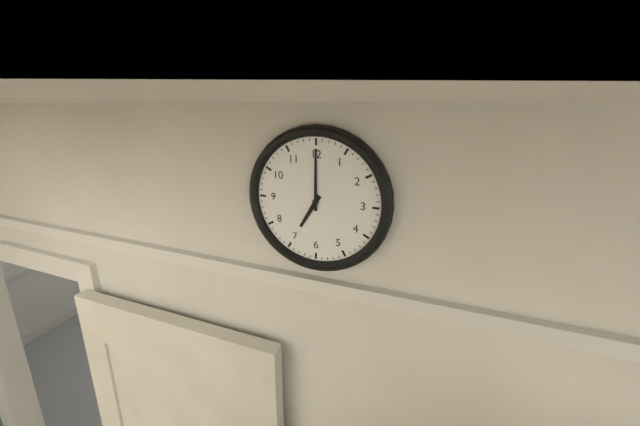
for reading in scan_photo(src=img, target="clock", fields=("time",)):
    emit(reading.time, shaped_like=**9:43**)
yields **7:00**
